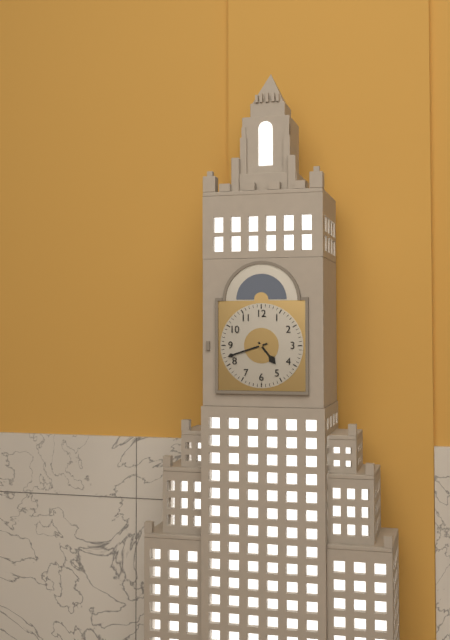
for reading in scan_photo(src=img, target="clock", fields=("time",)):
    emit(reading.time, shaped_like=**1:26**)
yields **4:42**
